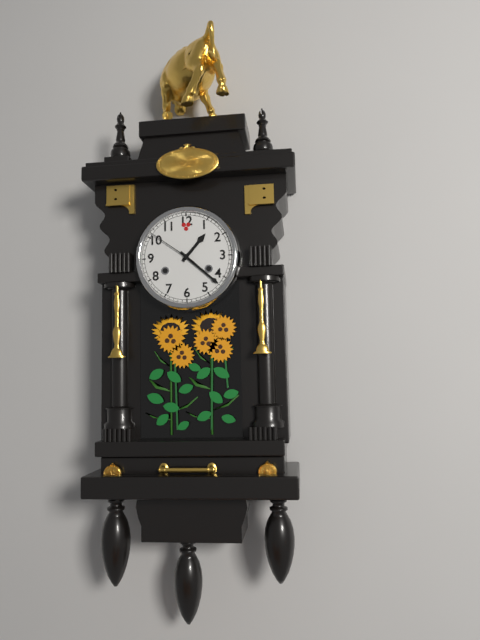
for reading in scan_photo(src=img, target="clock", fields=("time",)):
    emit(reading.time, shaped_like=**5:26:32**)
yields **1:22:51**
